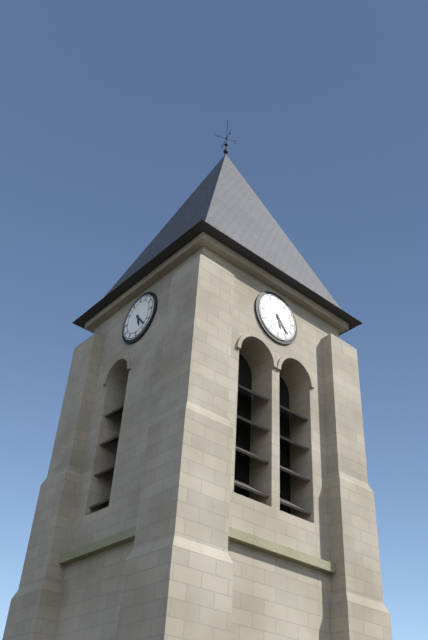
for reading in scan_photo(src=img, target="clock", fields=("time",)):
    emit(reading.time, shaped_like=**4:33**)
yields **5:23**
